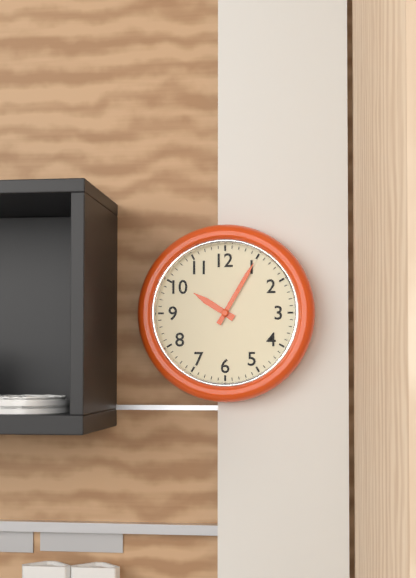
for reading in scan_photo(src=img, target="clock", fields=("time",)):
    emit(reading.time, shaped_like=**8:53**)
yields **10:05**
